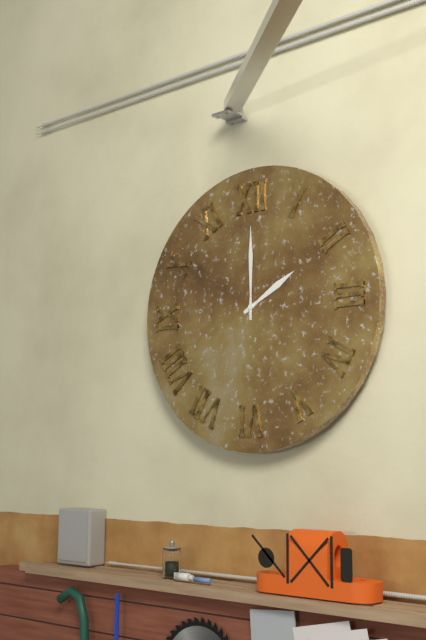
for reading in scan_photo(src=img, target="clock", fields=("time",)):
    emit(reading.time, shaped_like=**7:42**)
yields **2:00**
